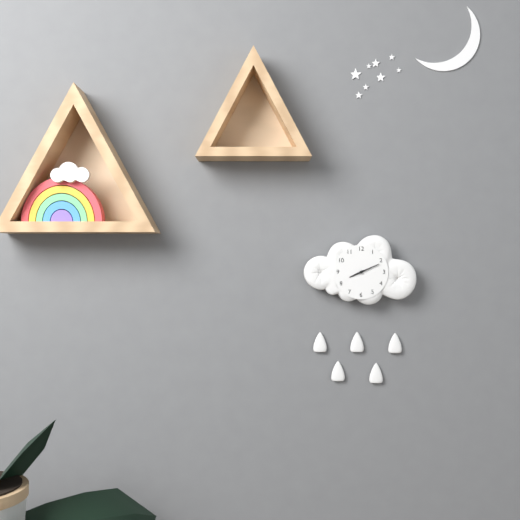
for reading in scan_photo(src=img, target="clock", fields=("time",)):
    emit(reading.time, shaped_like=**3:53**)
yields **8:11**
